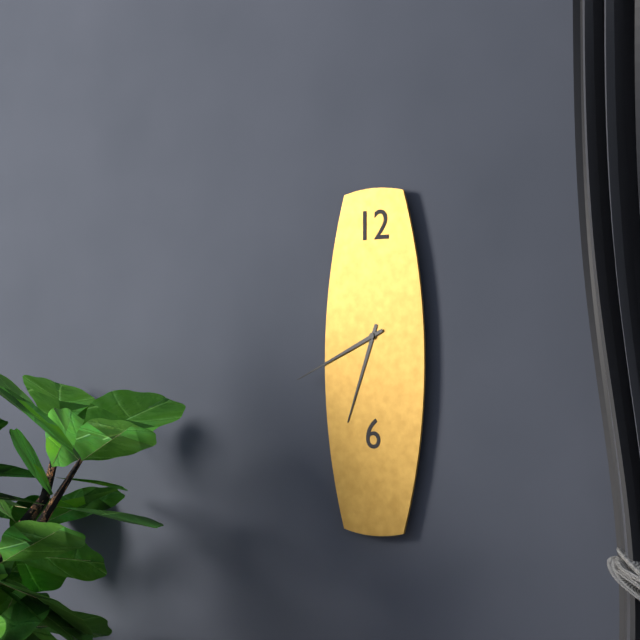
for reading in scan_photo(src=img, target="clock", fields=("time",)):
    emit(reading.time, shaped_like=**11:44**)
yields **6:41**
